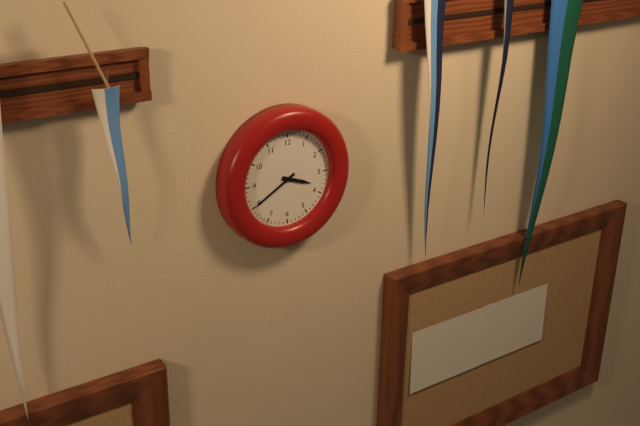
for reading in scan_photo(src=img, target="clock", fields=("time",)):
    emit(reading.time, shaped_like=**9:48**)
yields **3:40**
